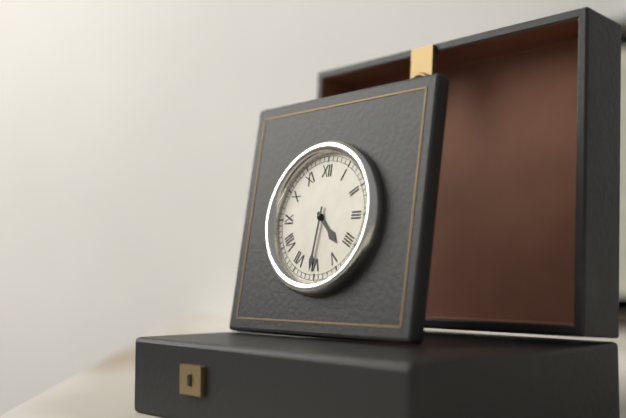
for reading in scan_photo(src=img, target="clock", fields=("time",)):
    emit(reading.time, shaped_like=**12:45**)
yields **4:31**
